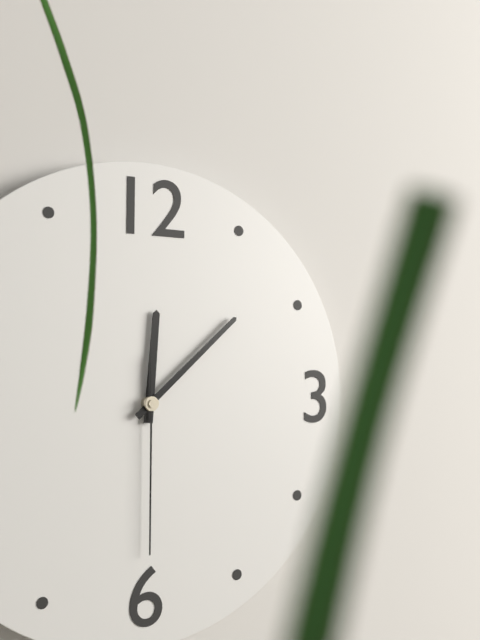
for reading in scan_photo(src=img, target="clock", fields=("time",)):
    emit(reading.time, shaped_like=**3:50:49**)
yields **12:08:30**
